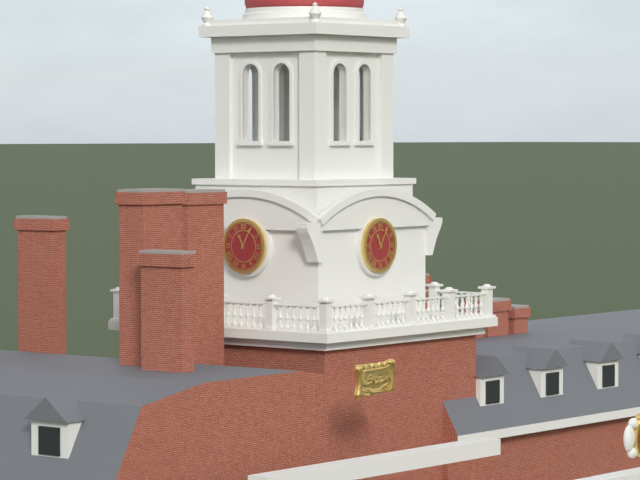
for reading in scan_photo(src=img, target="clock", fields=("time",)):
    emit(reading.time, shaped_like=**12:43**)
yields **11:05**
